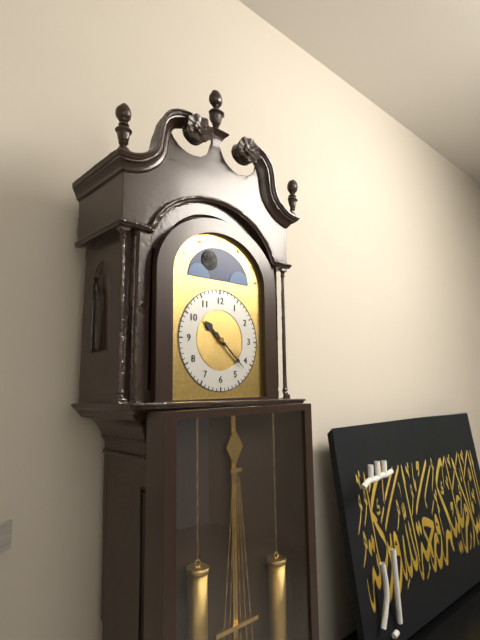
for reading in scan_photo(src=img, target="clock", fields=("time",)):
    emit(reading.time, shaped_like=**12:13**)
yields **10:22**
